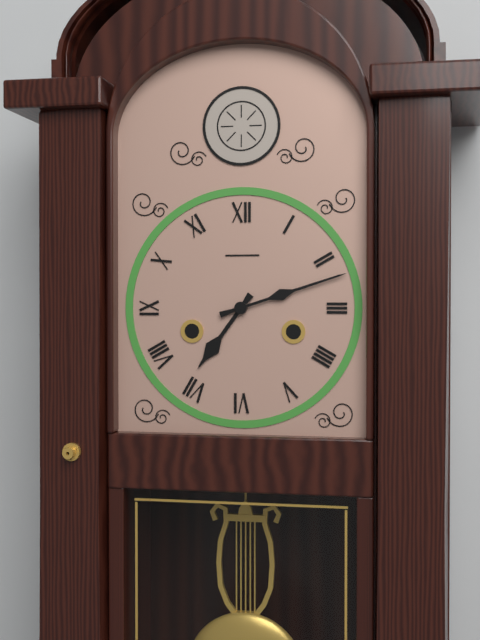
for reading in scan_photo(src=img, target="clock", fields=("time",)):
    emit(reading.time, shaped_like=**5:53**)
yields **7:12**
